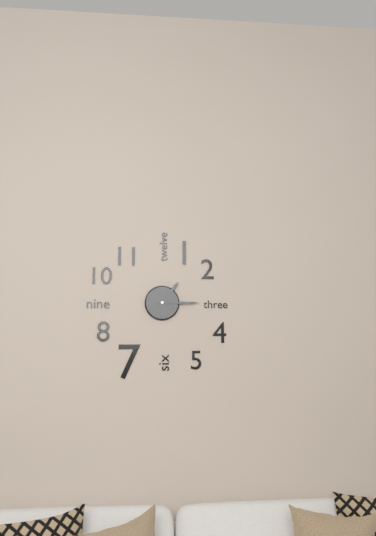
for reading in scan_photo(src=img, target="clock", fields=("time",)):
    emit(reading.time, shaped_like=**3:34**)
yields **1:15**
